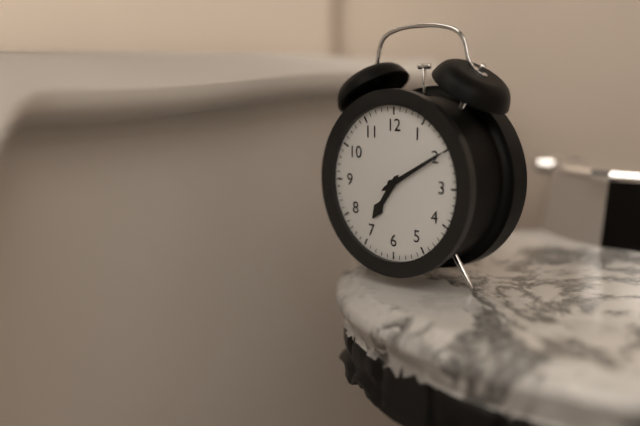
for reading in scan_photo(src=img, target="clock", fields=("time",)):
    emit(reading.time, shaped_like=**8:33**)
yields **7:10**
